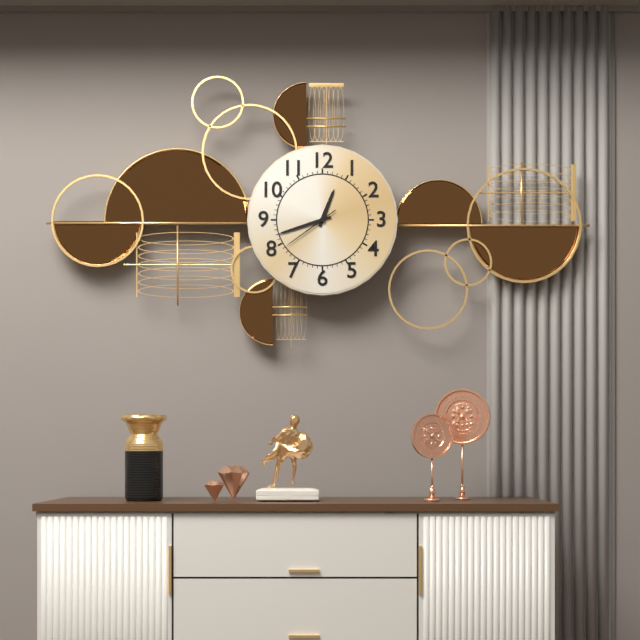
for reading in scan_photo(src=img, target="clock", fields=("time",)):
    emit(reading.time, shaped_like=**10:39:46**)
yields **12:42:39**
